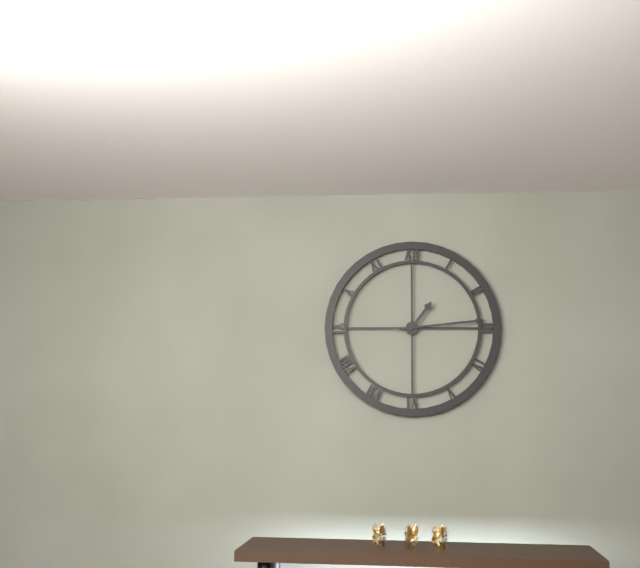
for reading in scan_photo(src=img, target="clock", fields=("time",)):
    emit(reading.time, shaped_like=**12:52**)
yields **1:14**
